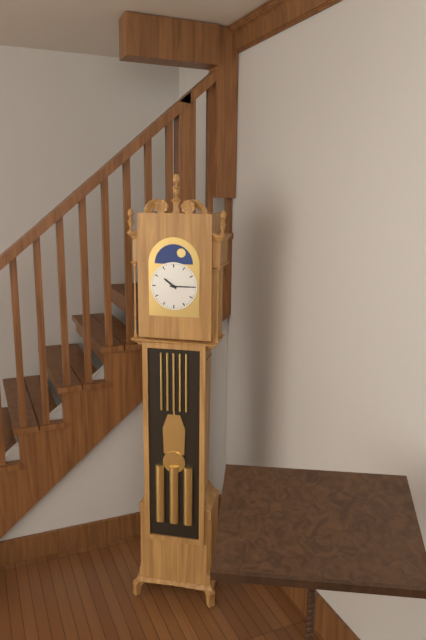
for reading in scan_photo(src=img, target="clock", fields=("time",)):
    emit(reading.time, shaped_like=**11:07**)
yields **10:15**
